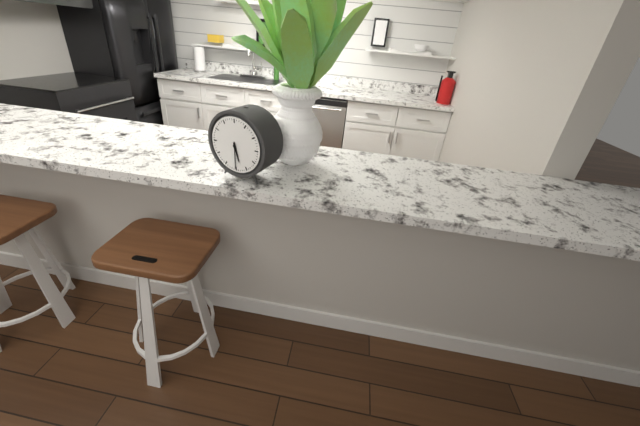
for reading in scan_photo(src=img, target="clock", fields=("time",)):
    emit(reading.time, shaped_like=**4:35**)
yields **5:30**
